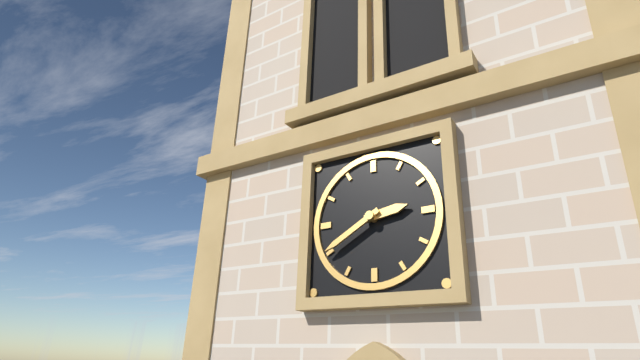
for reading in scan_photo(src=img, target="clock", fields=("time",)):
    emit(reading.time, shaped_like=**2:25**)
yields **2:40**
